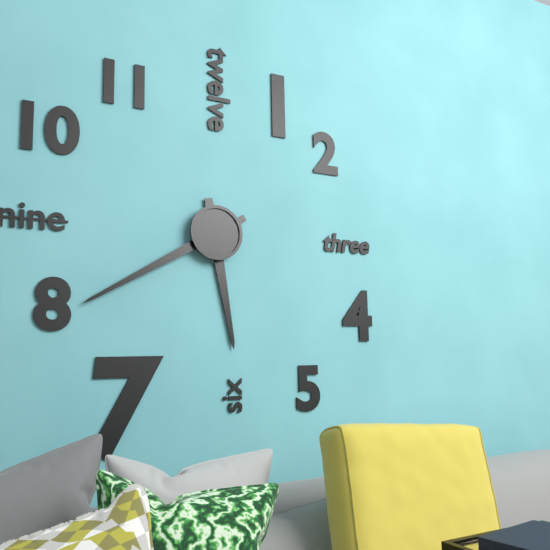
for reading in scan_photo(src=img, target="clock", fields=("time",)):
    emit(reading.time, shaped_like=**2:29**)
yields **5:40**
